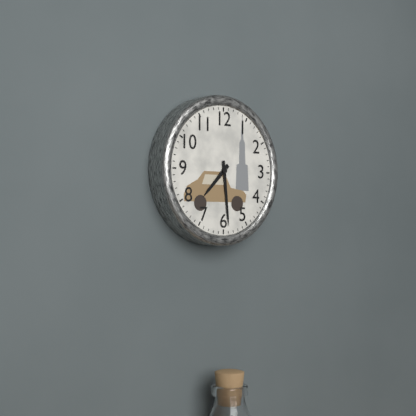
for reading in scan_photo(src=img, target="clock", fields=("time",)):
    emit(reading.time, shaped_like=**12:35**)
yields **7:29**
